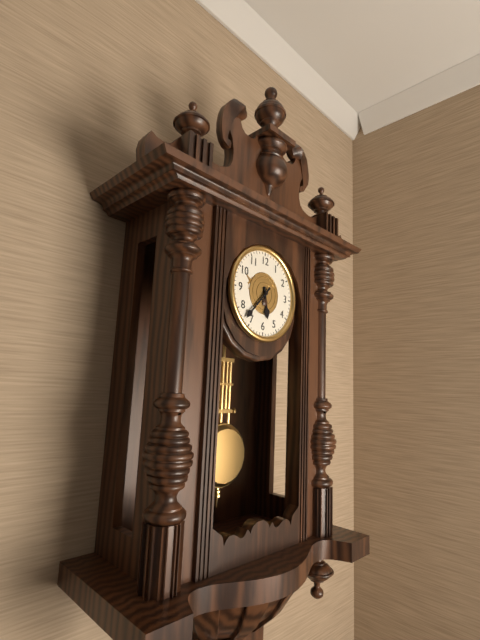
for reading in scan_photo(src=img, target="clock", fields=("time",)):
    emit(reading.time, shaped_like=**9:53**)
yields **5:37**
